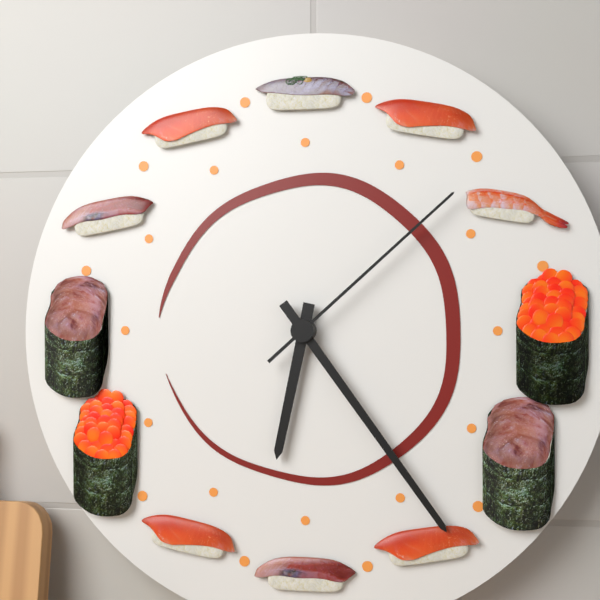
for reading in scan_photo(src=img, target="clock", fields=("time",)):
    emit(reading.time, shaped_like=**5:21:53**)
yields **6:24:08**
